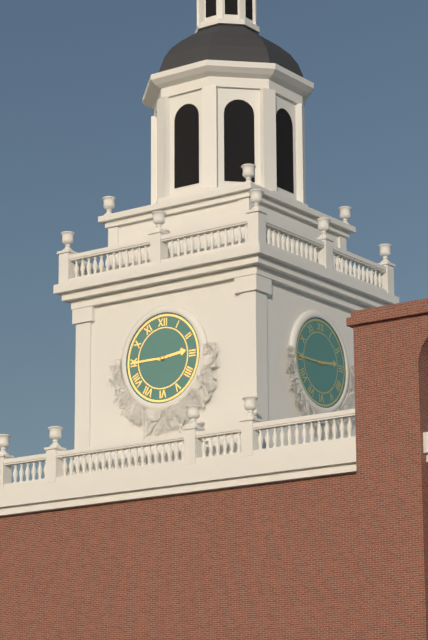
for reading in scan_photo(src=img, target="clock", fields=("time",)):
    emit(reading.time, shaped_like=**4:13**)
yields **2:45**
